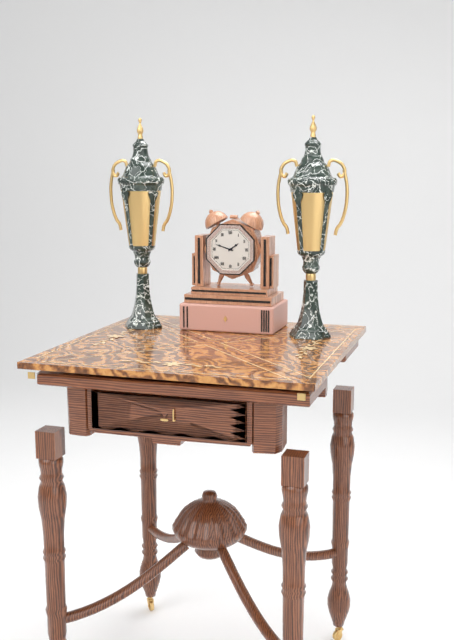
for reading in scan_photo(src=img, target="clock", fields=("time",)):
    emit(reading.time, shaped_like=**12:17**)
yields **1:48**
